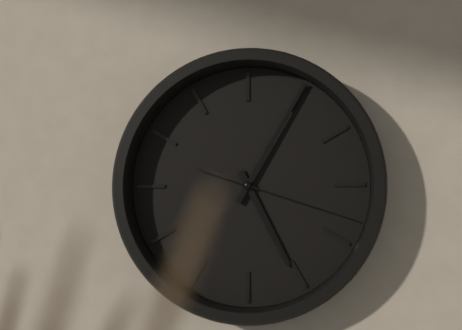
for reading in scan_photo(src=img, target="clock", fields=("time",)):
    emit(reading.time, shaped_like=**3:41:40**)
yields **5:05:18**
